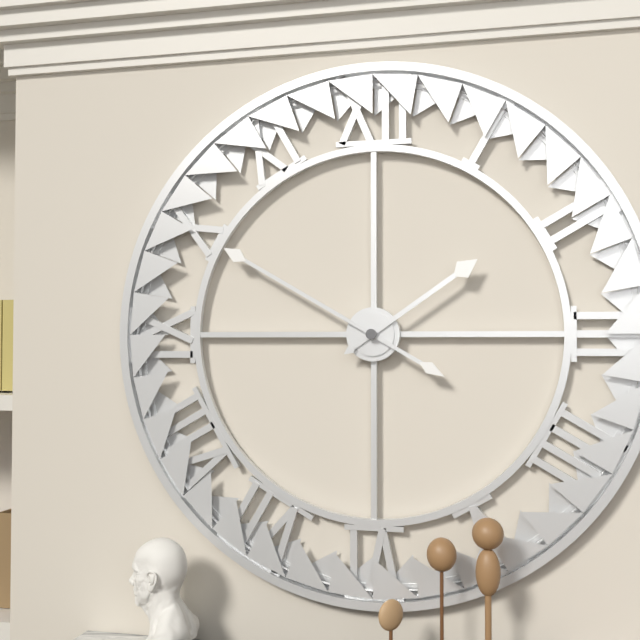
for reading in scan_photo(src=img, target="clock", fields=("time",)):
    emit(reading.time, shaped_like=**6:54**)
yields **1:50**
